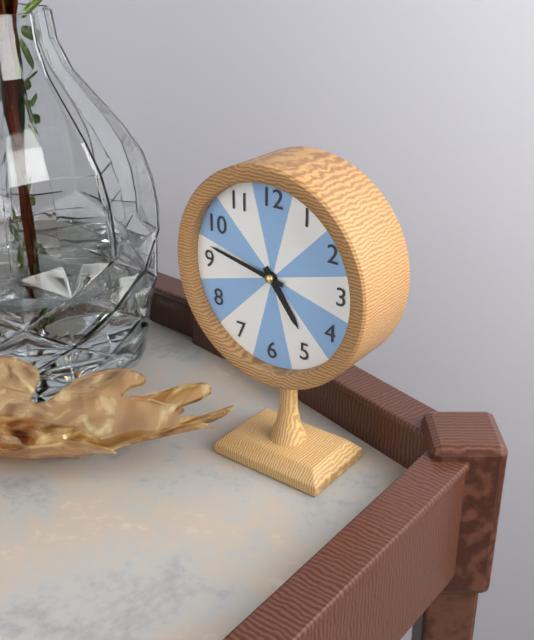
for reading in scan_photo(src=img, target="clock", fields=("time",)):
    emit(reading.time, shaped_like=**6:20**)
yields **4:47**
